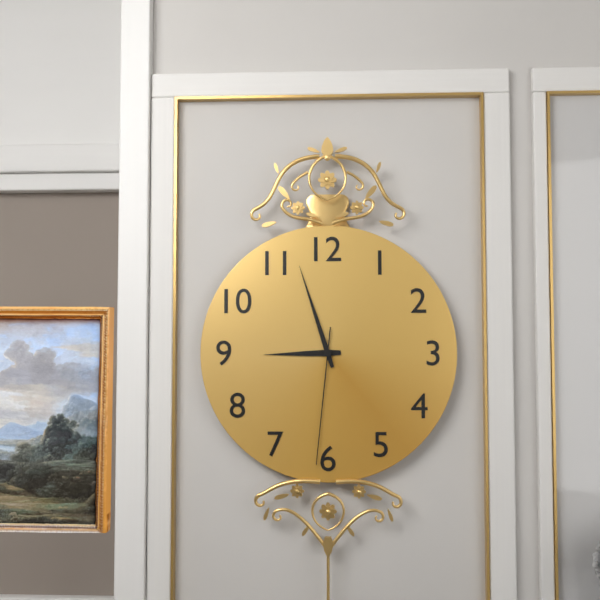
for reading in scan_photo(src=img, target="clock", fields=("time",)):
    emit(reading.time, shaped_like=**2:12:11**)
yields **8:57:31**
